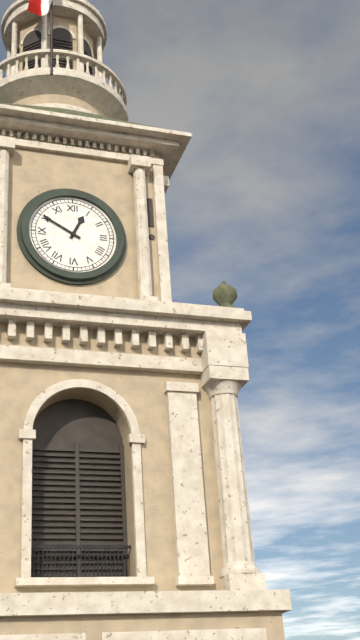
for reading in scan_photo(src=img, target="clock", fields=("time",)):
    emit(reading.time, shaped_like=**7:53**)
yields **12:50**
